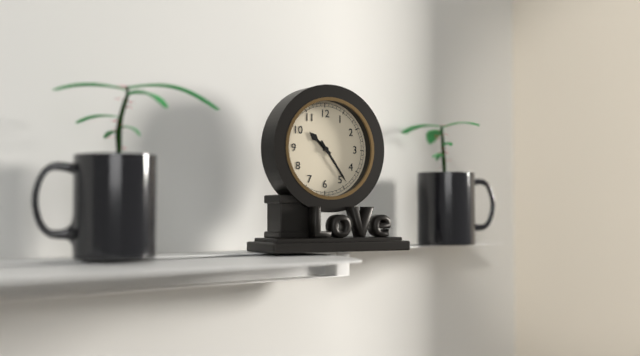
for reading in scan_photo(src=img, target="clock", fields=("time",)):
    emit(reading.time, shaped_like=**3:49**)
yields **10:24**
